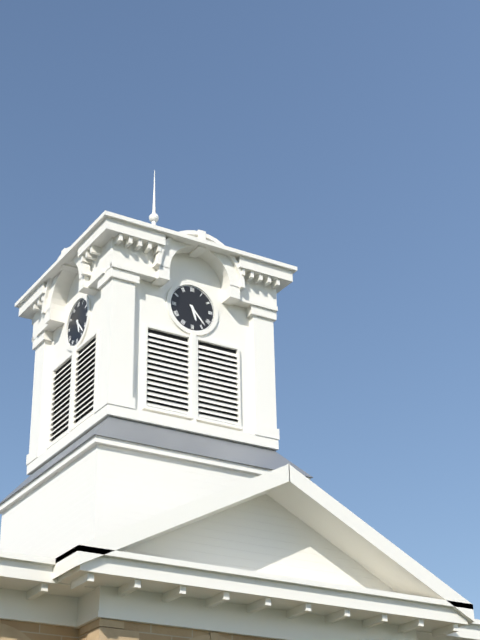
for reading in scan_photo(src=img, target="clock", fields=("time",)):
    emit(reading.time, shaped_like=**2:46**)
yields **5:23**
